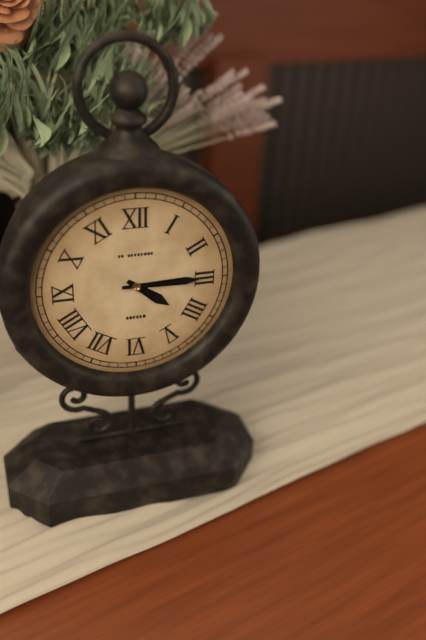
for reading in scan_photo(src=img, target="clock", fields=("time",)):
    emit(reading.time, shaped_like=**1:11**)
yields **4:15**
